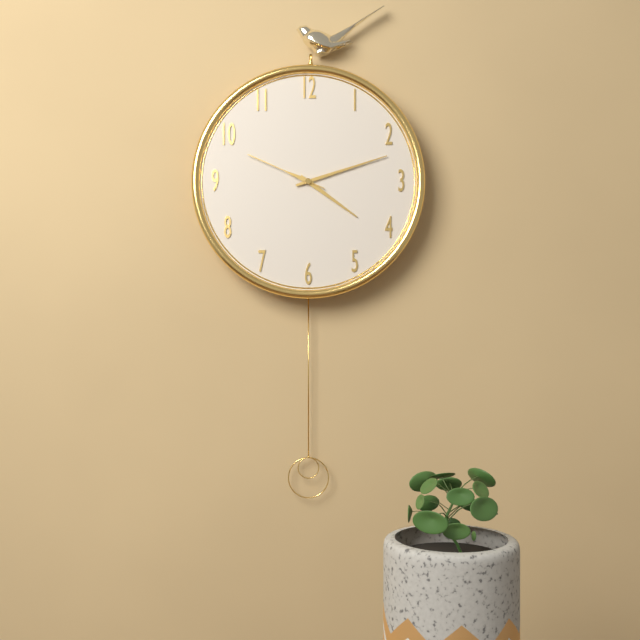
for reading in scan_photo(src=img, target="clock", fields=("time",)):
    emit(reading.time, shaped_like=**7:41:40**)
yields **4:12:49**
